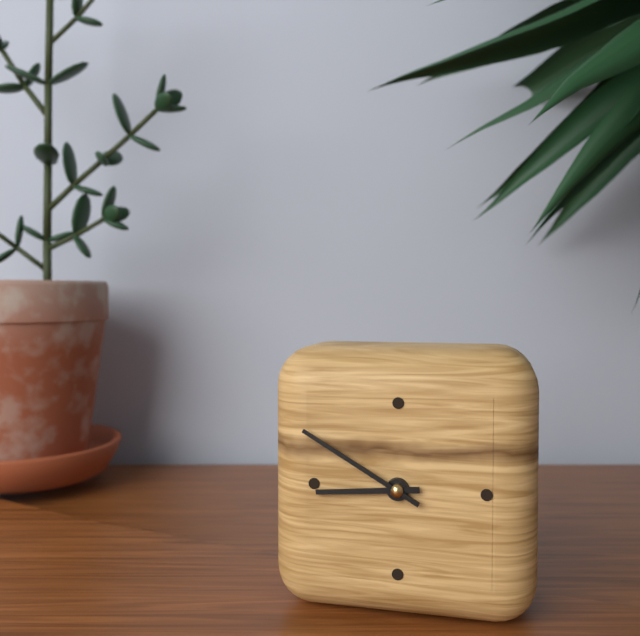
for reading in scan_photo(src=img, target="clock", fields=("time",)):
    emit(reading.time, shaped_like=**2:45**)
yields **8:50**
